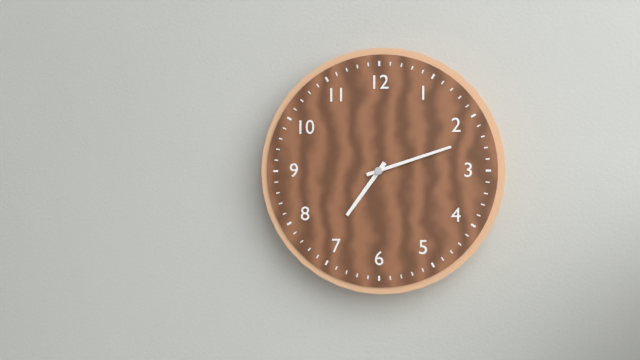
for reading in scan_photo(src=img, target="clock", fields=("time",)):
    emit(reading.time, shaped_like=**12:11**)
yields **7:12**
